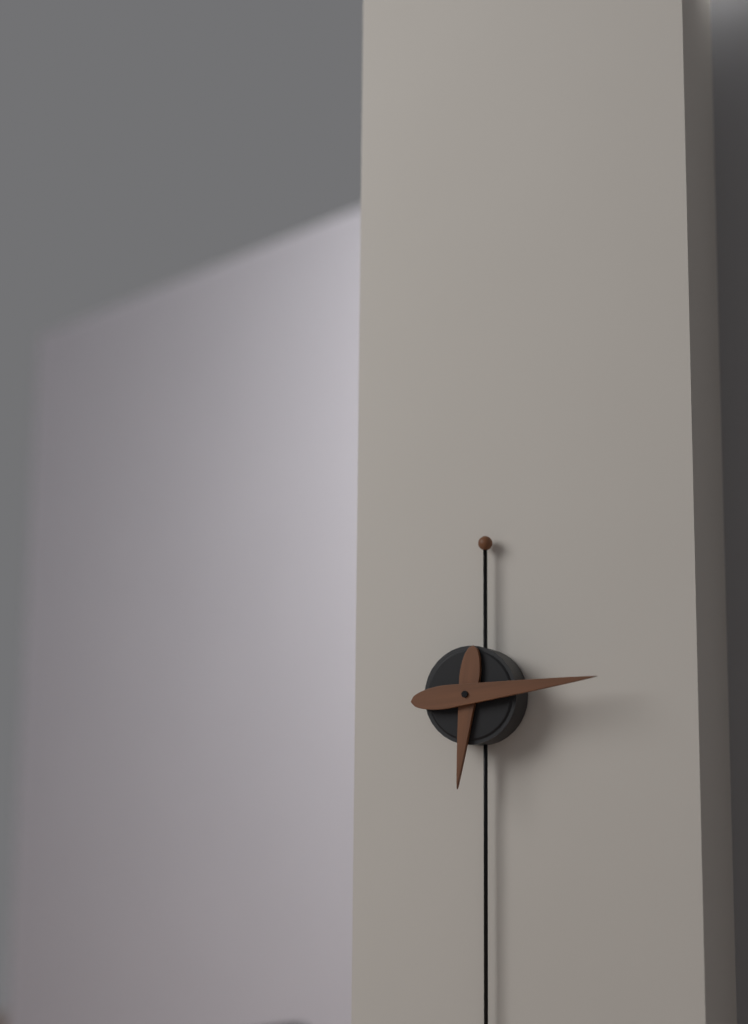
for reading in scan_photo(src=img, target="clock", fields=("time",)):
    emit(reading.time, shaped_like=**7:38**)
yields **6:14**
